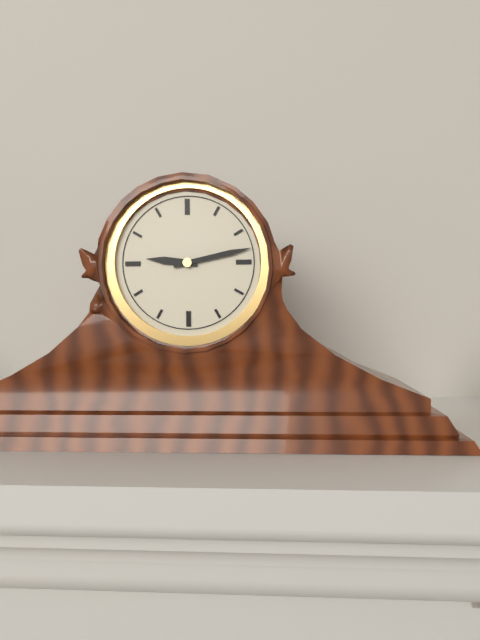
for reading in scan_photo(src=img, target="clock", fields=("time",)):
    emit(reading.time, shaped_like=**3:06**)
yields **9:13**
